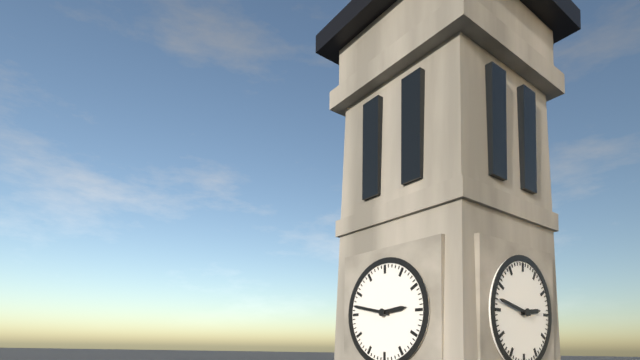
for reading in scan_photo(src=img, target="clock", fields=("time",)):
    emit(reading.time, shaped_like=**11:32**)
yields **2:47**
